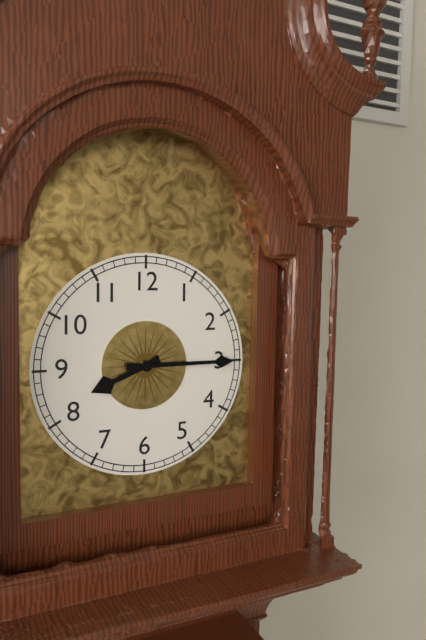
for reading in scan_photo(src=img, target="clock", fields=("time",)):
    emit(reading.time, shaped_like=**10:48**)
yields **8:15**
